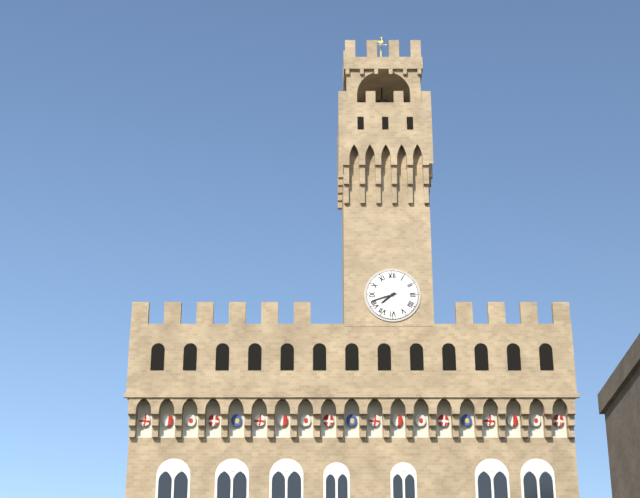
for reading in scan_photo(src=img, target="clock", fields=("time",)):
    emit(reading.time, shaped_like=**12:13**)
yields **7:42**
